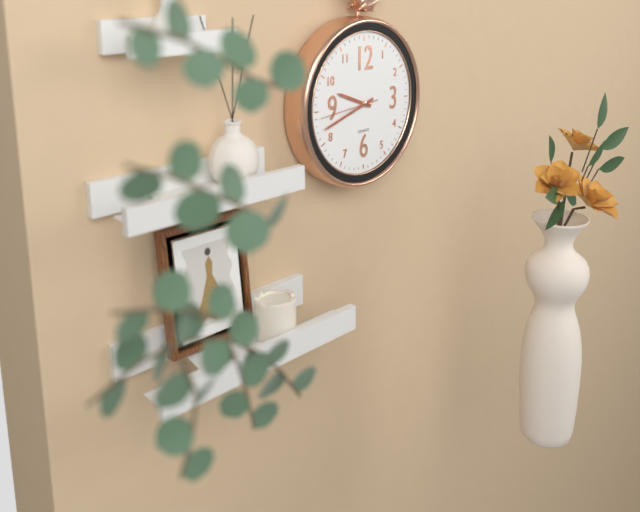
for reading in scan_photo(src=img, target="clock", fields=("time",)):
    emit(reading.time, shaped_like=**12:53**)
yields **9:42**
